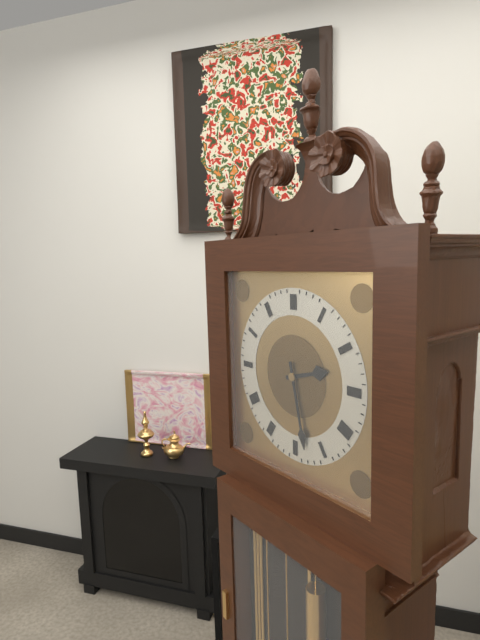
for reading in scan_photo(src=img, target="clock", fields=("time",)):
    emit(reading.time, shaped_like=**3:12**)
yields **2:28**
